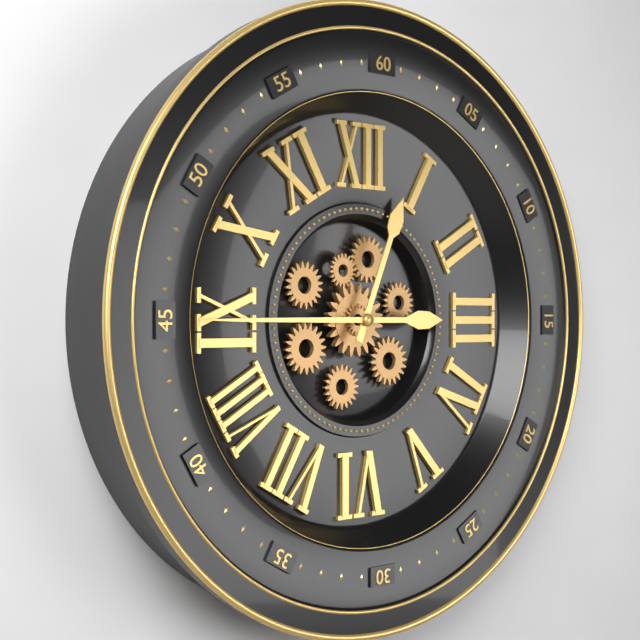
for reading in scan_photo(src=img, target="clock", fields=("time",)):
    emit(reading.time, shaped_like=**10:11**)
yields **12:45**
